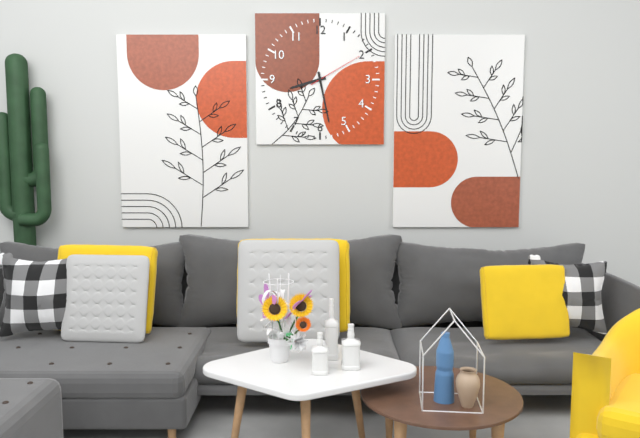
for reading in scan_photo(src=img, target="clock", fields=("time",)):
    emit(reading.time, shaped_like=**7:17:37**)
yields **8:28:10**
